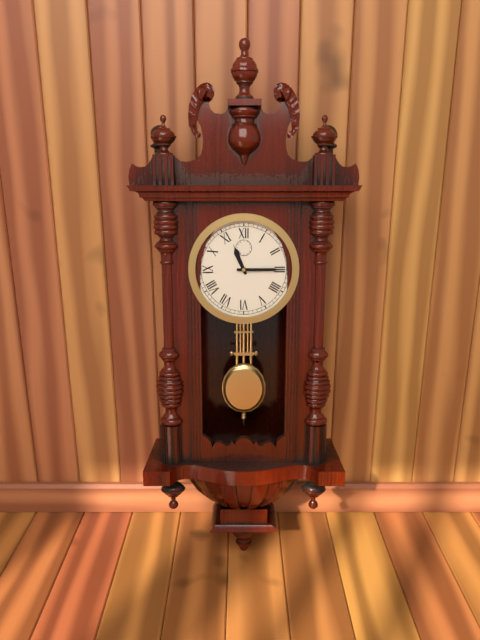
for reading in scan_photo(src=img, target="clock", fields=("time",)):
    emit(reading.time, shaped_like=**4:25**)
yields **11:15**
